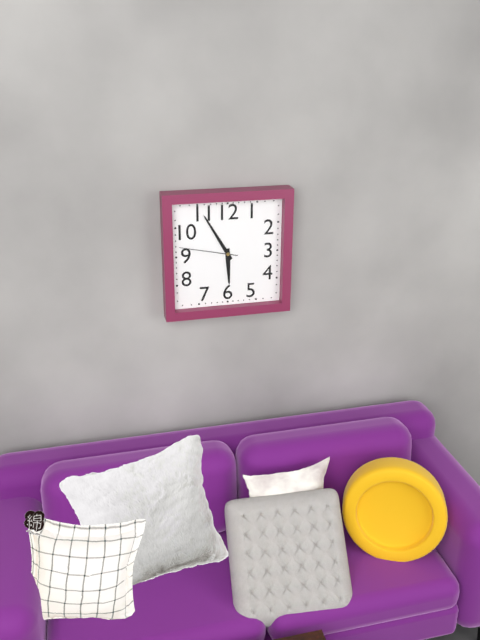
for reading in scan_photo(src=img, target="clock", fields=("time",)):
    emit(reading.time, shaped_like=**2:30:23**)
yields **5:55:47**
